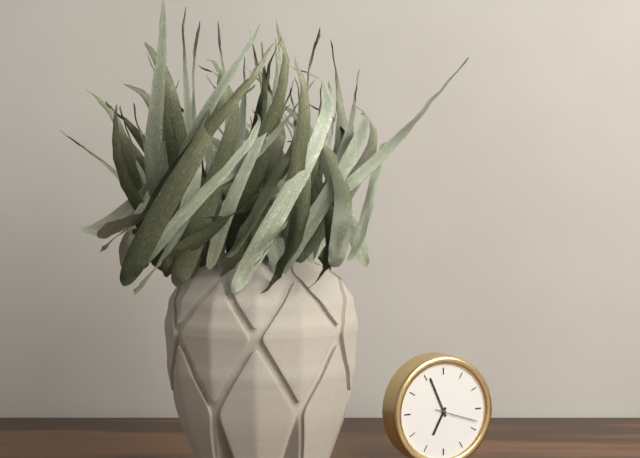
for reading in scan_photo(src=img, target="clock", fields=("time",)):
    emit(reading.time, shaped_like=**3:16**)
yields **6:56**
